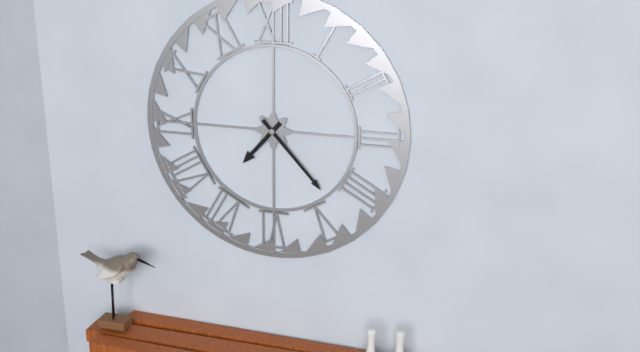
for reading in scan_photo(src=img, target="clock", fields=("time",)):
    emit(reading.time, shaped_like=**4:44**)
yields **7:23**
